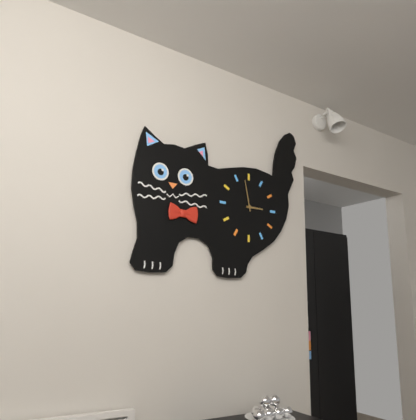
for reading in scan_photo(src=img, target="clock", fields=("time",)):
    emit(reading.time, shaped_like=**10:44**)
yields **2:58**
